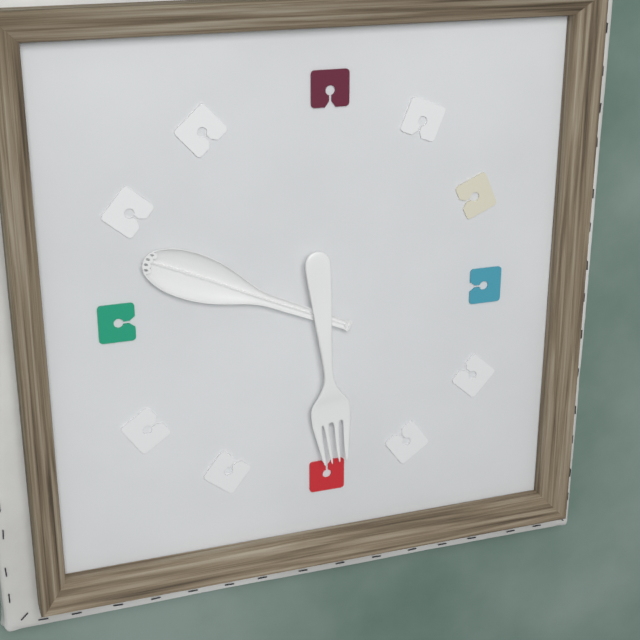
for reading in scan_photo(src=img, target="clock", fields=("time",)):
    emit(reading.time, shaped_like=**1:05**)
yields **5:49**
